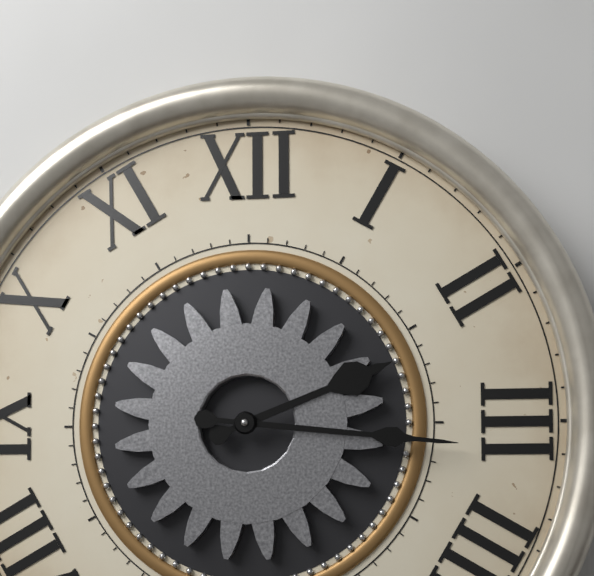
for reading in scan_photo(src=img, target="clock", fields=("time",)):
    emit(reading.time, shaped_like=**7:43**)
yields **2:16**
